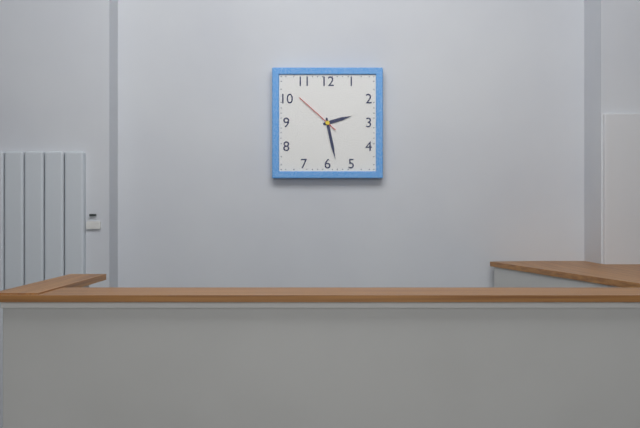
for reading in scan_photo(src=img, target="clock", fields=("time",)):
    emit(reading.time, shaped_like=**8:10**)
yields **2:28**
